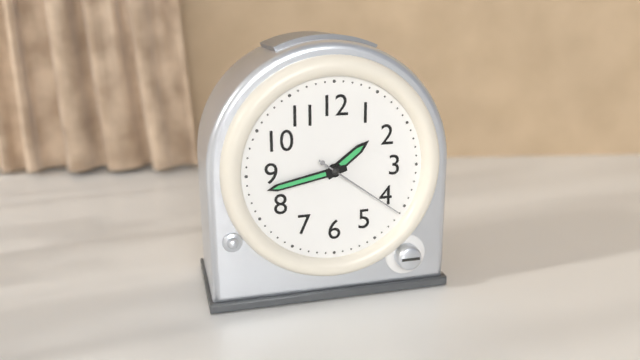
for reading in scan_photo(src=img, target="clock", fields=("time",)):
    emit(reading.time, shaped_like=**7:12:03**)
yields **1:43:21**
